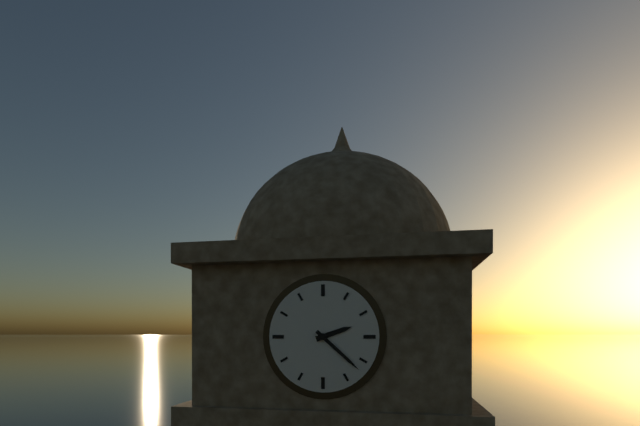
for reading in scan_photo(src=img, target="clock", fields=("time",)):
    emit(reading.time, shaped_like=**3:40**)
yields **2:22**
